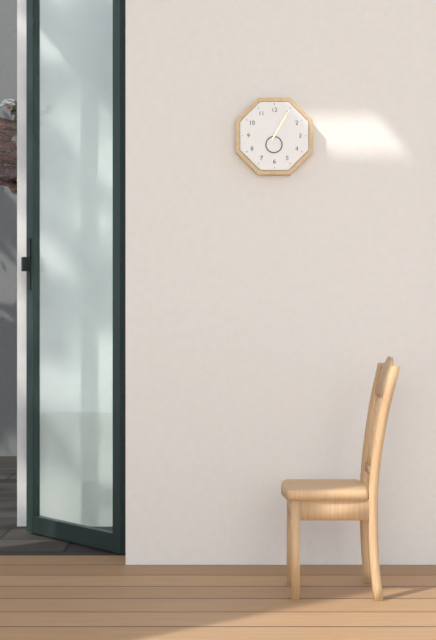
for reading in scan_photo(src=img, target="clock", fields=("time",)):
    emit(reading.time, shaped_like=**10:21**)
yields **6:05**
